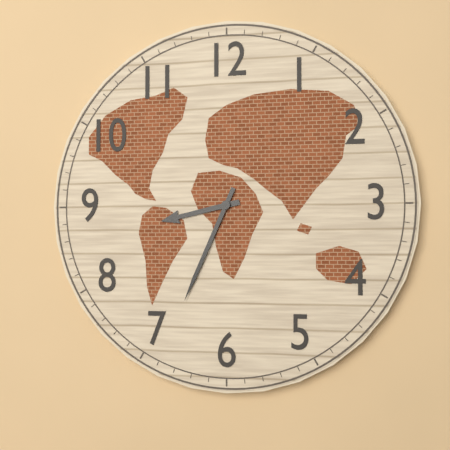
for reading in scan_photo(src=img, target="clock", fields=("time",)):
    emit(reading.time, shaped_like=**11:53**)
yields **8:34**
